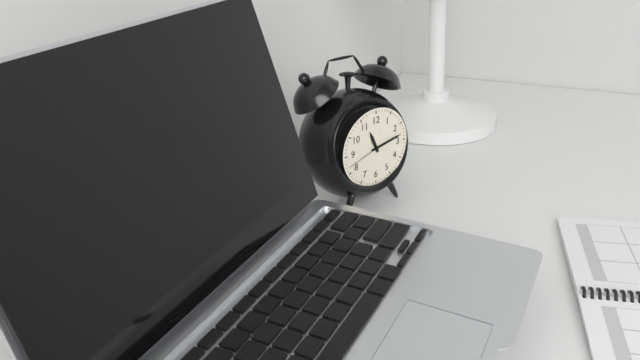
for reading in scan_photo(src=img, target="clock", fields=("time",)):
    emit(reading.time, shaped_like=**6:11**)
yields **11:13**
